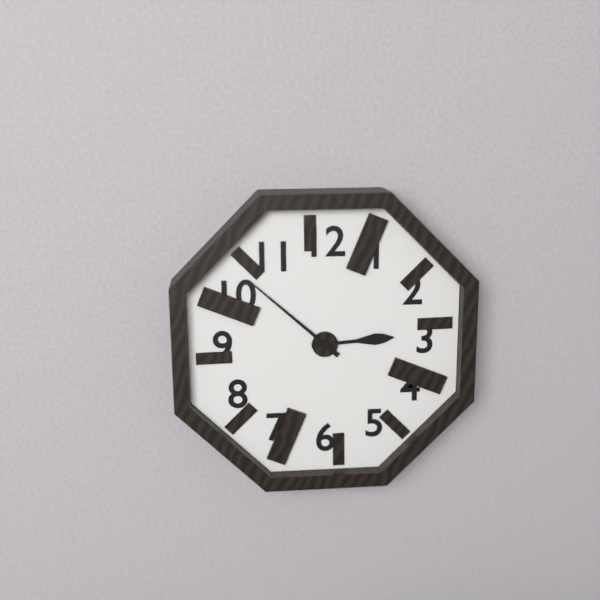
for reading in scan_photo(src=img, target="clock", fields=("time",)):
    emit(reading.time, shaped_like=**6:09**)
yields **2:52**
